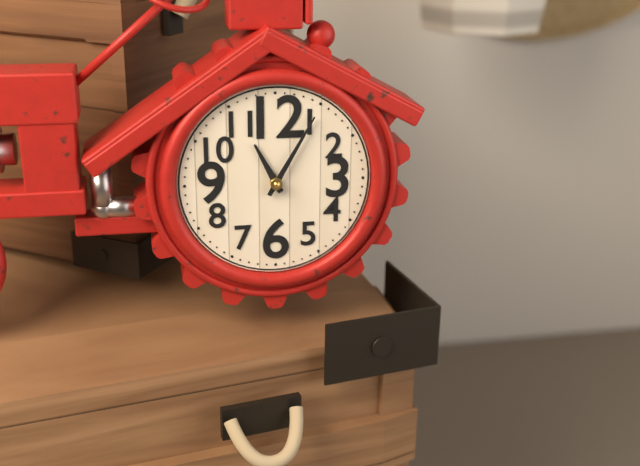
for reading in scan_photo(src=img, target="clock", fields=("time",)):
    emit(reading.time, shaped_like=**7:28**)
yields **11:05**
